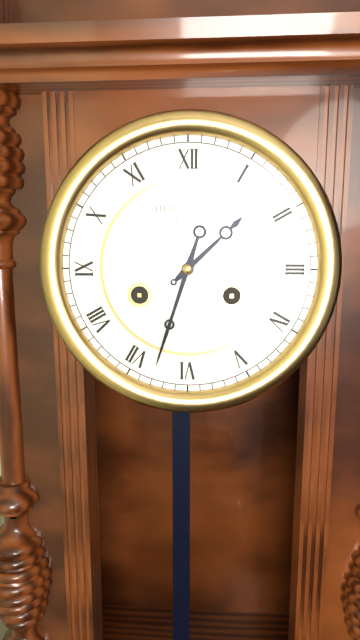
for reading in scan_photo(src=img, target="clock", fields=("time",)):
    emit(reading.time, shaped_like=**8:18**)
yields **1:33**
